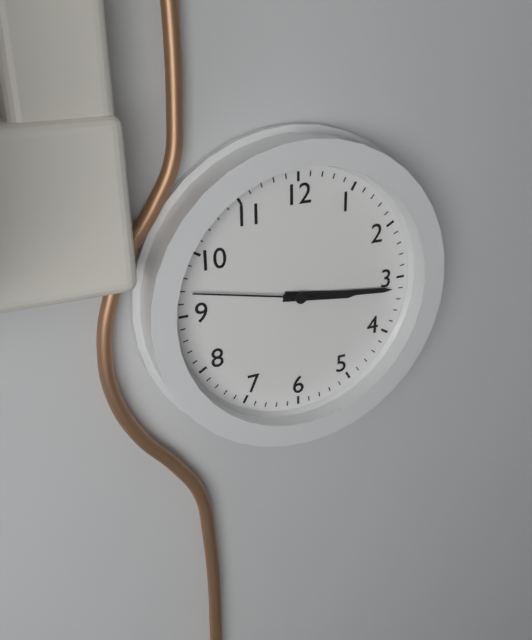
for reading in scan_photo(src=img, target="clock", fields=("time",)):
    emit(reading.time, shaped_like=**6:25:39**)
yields **3:16:47**
